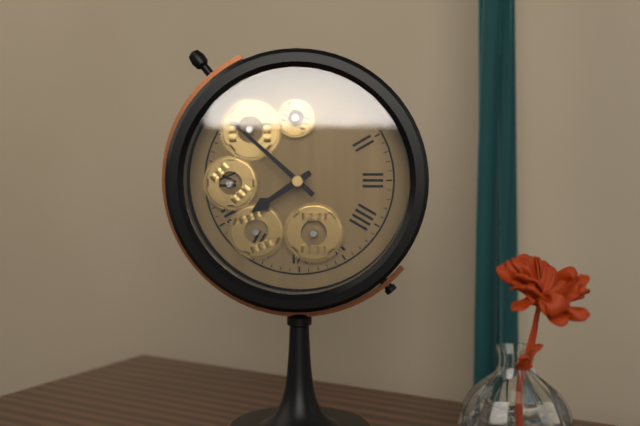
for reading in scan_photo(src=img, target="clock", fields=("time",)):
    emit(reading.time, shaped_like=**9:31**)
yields **7:52**
